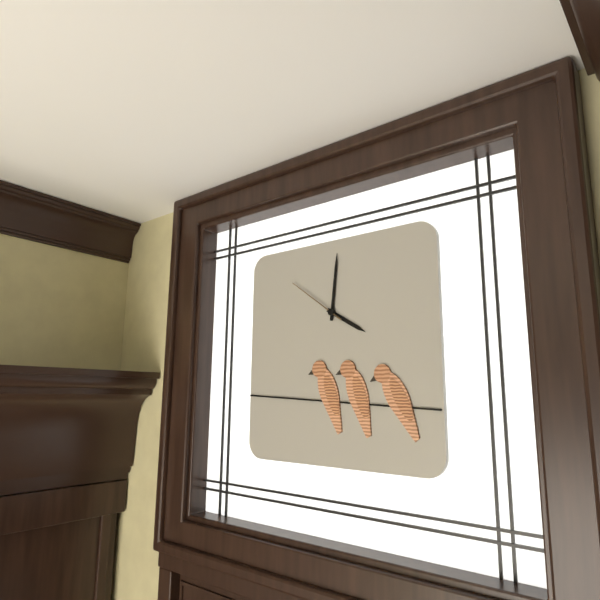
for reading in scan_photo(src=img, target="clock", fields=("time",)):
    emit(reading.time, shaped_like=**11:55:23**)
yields **4:01:51**
